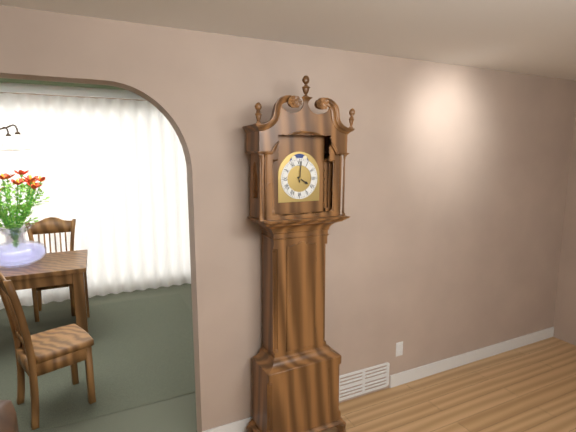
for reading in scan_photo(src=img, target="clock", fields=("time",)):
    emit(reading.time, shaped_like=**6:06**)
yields **4:01**
